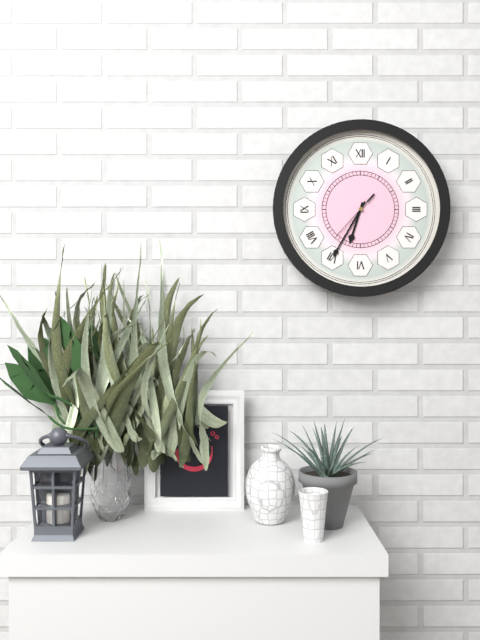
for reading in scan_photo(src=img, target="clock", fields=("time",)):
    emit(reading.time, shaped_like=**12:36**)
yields **6:35**
